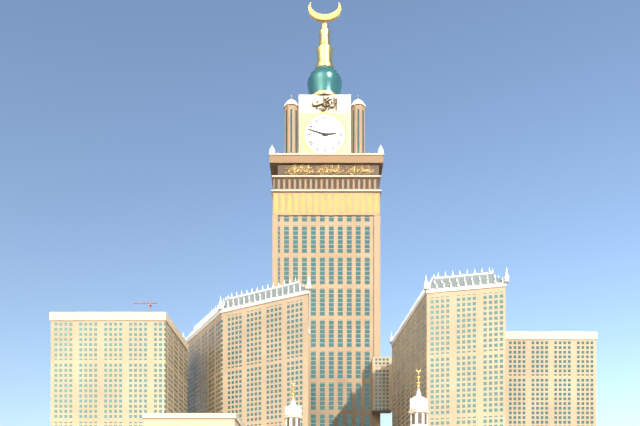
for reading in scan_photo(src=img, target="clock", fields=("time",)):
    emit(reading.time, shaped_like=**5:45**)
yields **2:48**
